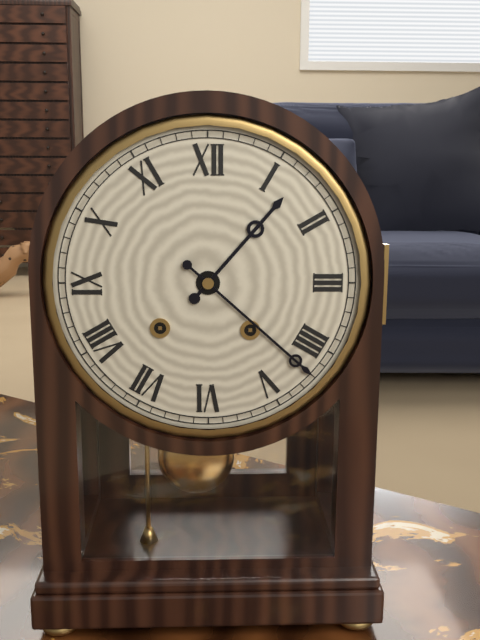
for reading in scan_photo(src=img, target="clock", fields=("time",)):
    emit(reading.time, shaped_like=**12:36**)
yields **1:22**
